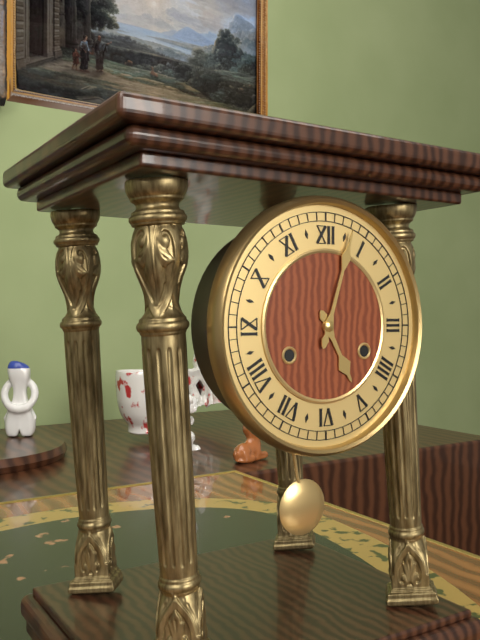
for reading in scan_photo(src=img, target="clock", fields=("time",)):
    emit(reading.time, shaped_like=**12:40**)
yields **5:03**
